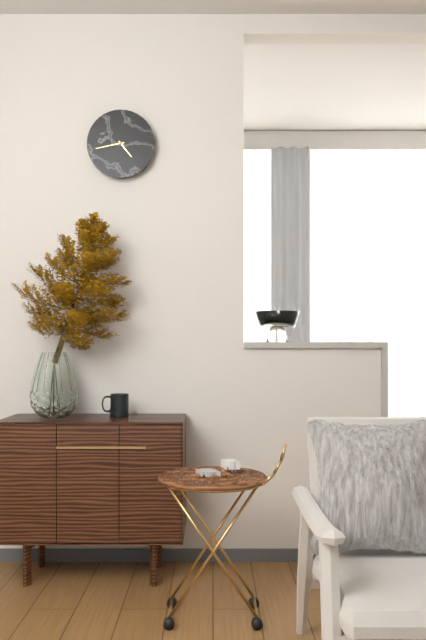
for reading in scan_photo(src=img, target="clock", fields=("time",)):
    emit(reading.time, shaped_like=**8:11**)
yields **4:43**
